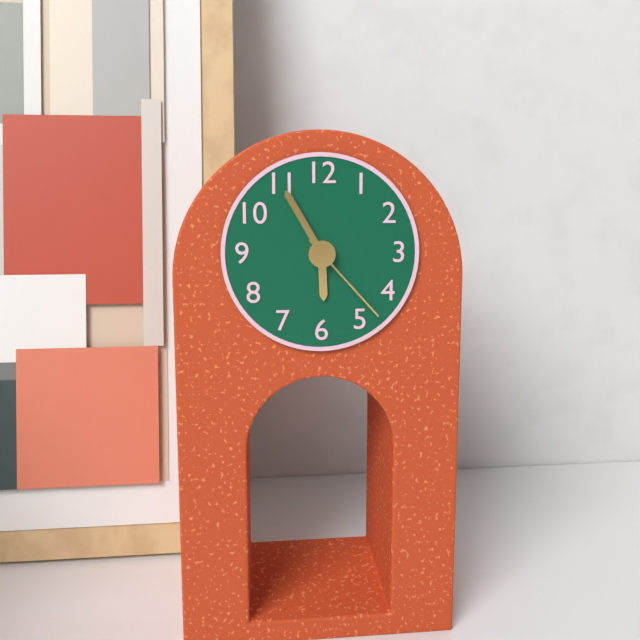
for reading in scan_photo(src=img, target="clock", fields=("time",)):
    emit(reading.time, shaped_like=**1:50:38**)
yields **5:55:23**
